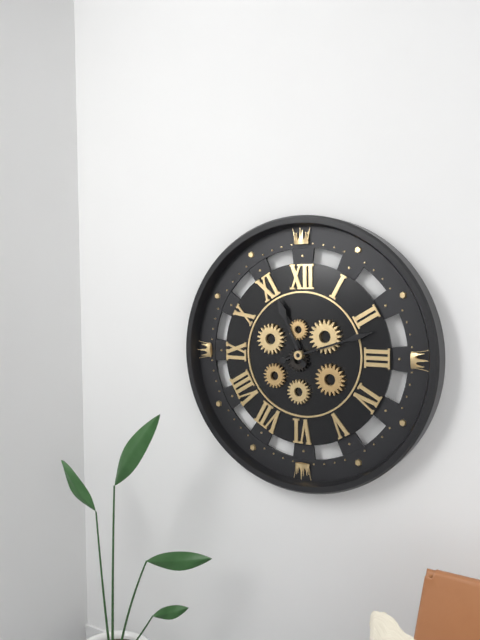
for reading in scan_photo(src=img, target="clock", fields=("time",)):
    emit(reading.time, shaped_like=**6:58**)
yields **11:12**
